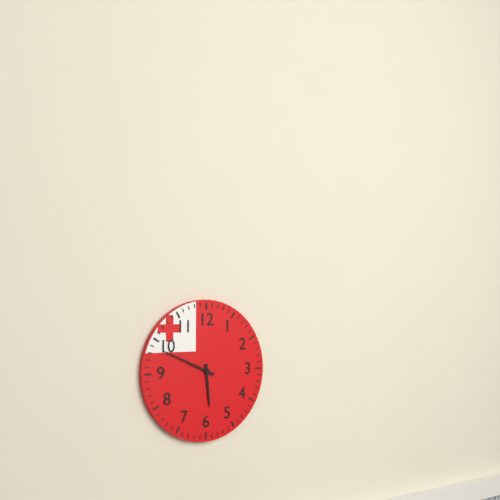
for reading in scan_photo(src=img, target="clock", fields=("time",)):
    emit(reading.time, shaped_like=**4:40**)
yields **5:49**
